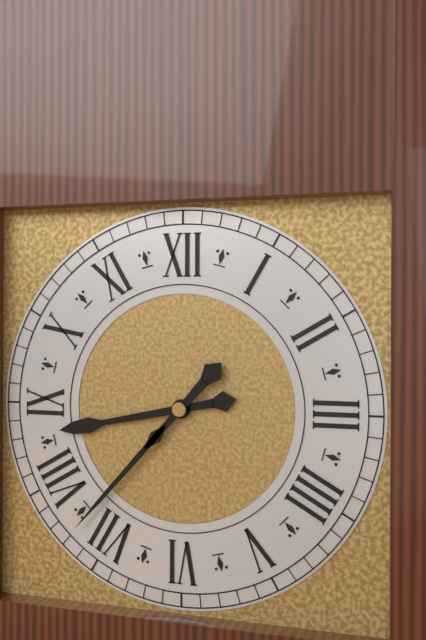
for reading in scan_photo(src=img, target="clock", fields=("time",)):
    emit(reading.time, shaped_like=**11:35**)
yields **8:37**
